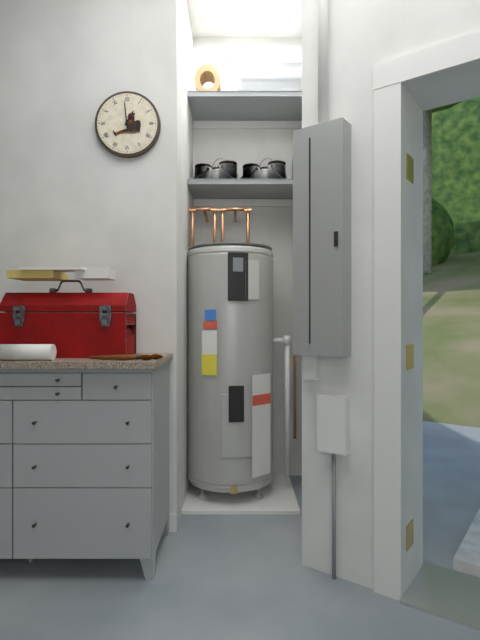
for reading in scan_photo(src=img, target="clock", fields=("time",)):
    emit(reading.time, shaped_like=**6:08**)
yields **12:59**
